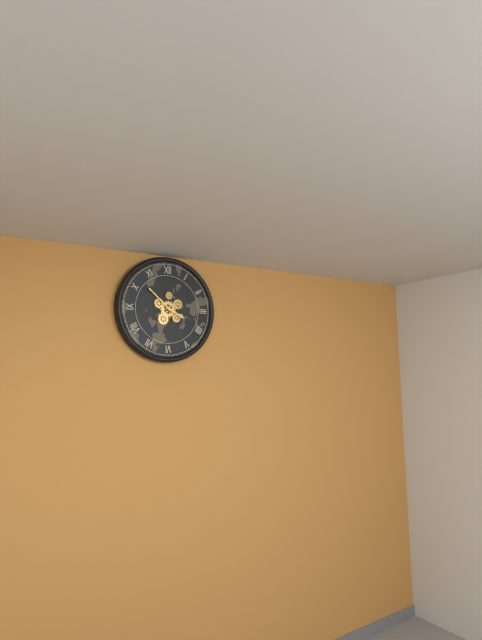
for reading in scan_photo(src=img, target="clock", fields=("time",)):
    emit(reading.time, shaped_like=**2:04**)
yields **3:52**
